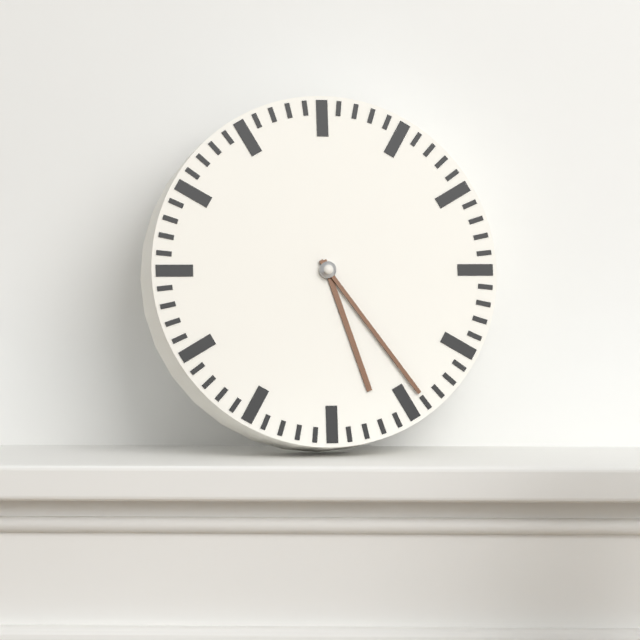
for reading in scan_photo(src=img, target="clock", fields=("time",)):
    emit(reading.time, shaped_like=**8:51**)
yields **5:24**
